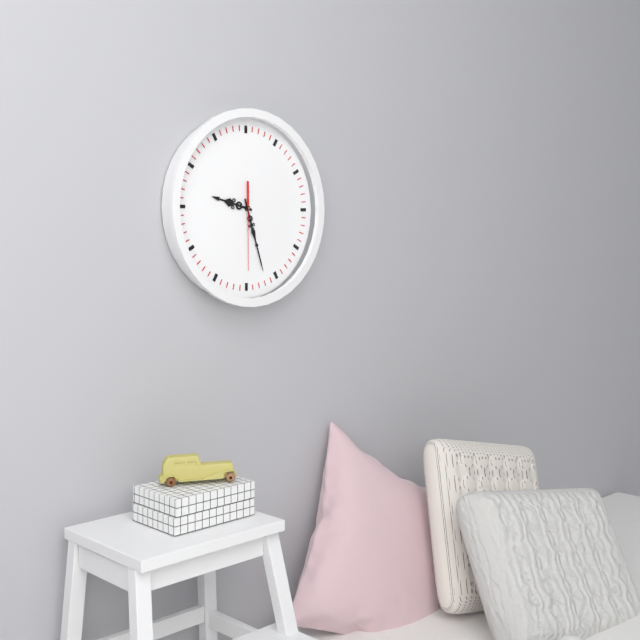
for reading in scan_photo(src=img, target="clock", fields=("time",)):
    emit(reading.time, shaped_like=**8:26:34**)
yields **9:27:30**
